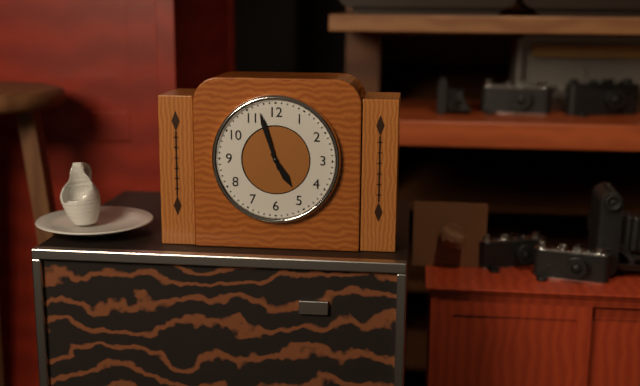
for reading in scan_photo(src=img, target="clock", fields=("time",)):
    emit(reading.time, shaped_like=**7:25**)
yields **4:57**
